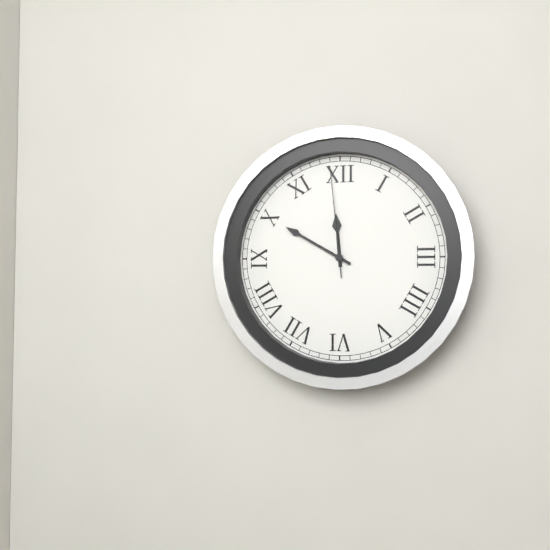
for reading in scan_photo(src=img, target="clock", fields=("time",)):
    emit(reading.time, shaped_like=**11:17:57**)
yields **11:50:59**
